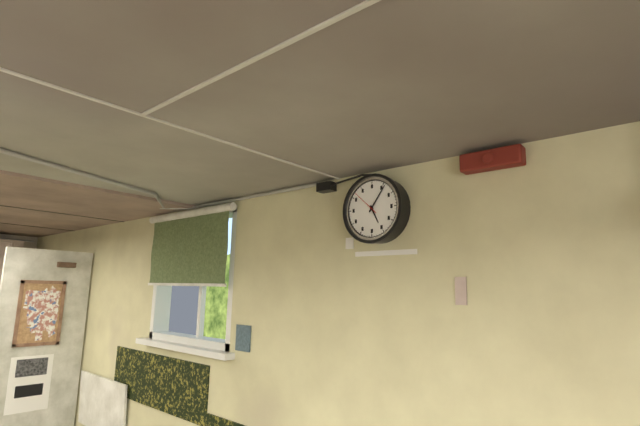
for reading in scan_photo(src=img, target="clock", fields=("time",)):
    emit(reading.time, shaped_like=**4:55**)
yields **5:06**
